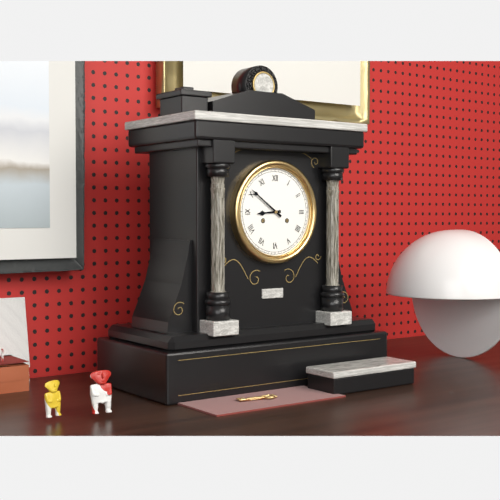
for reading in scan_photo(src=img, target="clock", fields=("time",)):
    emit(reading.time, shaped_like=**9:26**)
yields **8:51**
